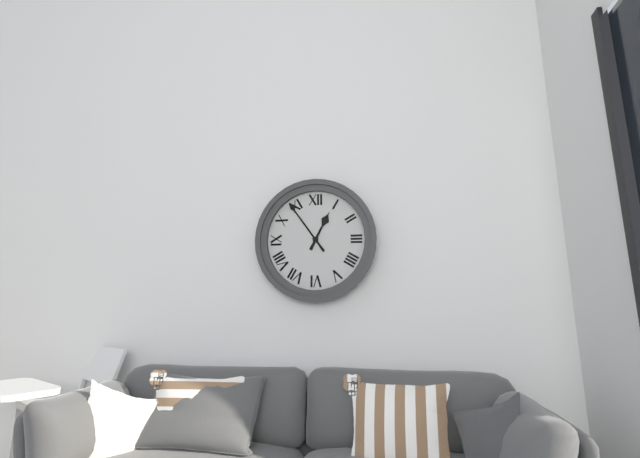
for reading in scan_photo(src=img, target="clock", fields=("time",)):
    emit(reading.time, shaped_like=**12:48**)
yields **12:54**
